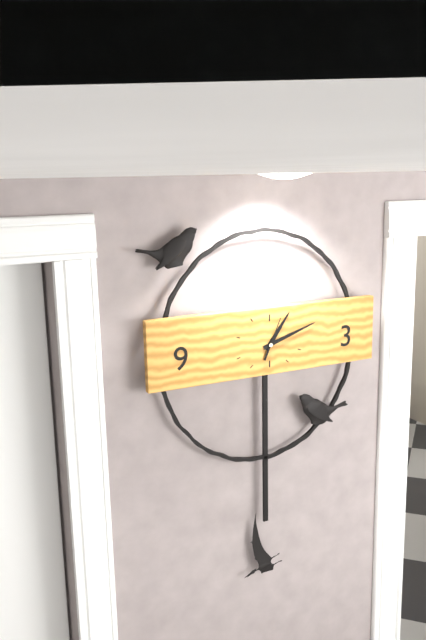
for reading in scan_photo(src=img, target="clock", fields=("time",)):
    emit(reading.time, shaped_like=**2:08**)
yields **1:12**
